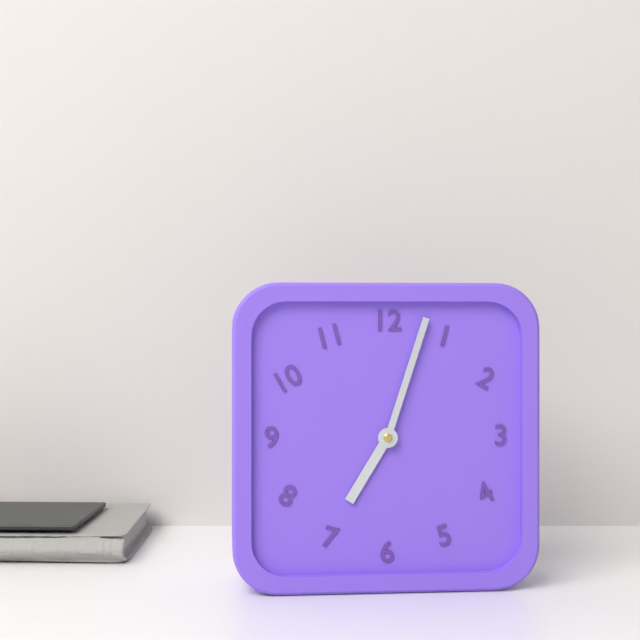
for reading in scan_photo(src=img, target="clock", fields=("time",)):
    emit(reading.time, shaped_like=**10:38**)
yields **7:03**
